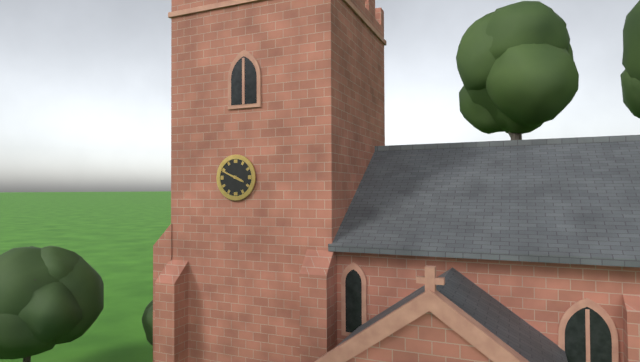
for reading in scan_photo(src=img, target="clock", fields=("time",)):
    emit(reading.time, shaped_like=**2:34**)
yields **3:49**
